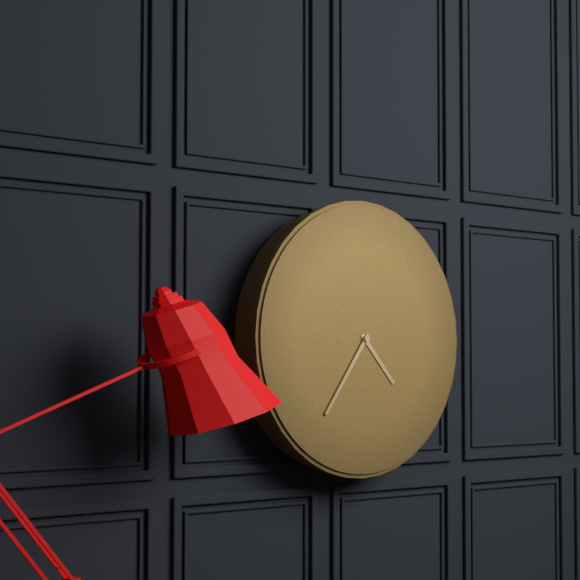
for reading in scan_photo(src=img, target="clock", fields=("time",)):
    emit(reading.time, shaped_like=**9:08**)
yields **4:36**
